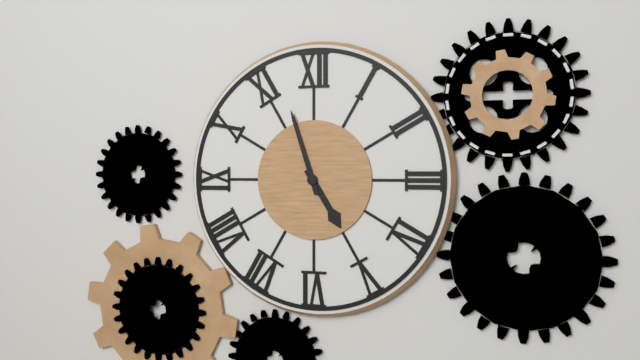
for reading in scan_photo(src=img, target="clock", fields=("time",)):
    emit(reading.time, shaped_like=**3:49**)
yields **4:57**
